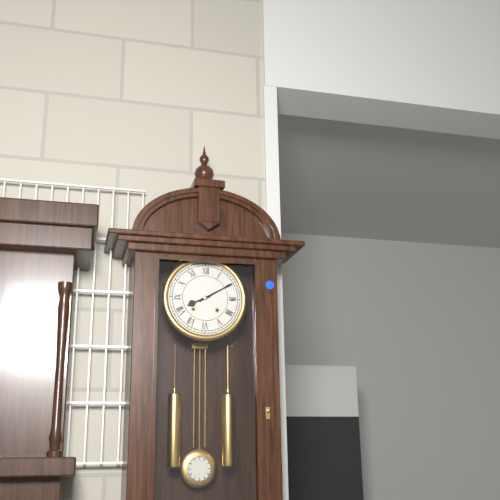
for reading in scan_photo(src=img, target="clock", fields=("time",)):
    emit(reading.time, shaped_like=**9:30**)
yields **8:10**
